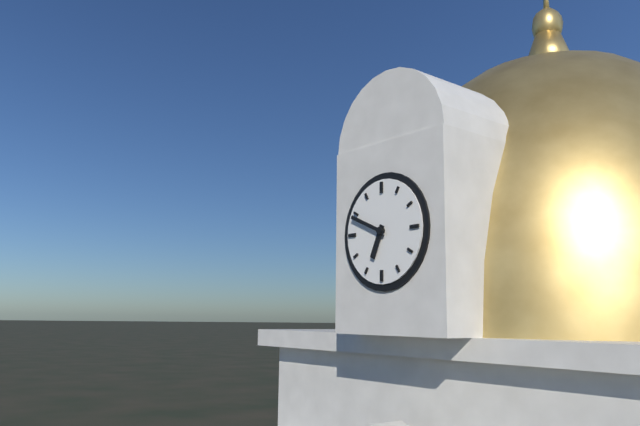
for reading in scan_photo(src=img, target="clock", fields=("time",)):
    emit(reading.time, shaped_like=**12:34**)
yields **6:49**
